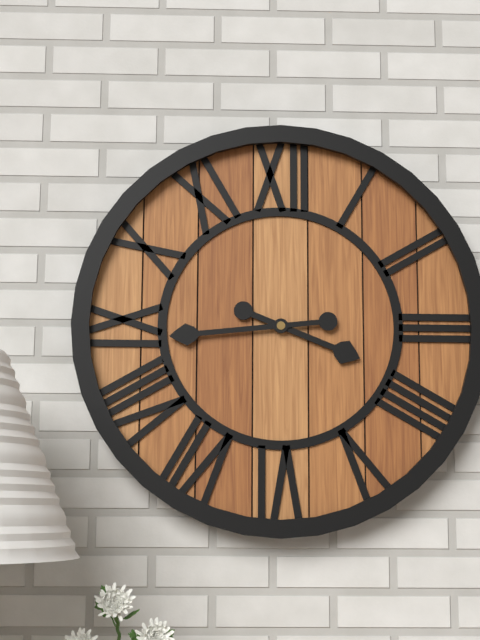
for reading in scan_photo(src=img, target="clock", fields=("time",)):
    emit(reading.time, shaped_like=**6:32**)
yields **3:44**
